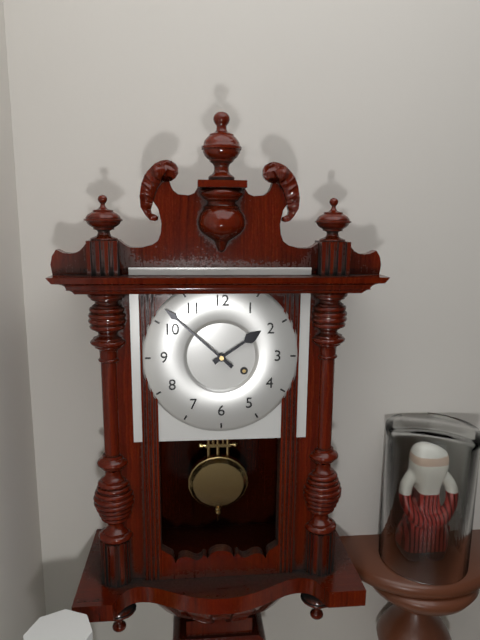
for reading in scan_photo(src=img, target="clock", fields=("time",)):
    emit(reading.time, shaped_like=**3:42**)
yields **1:52**
